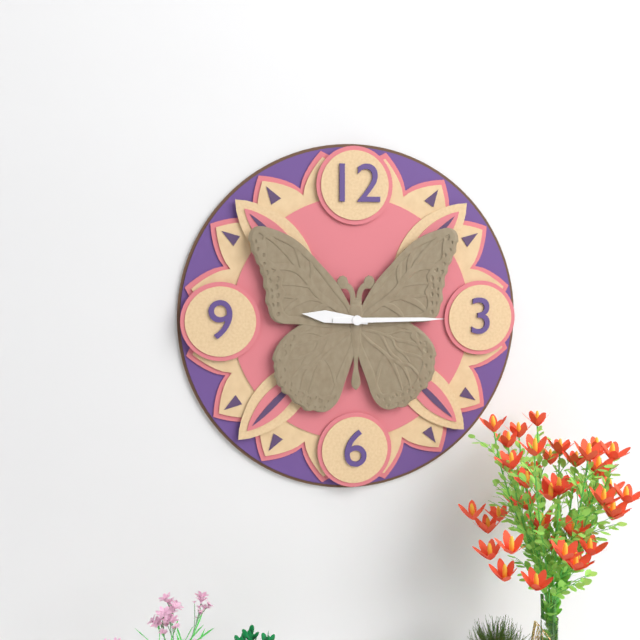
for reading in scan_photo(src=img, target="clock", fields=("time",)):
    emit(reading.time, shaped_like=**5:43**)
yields **9:15**
